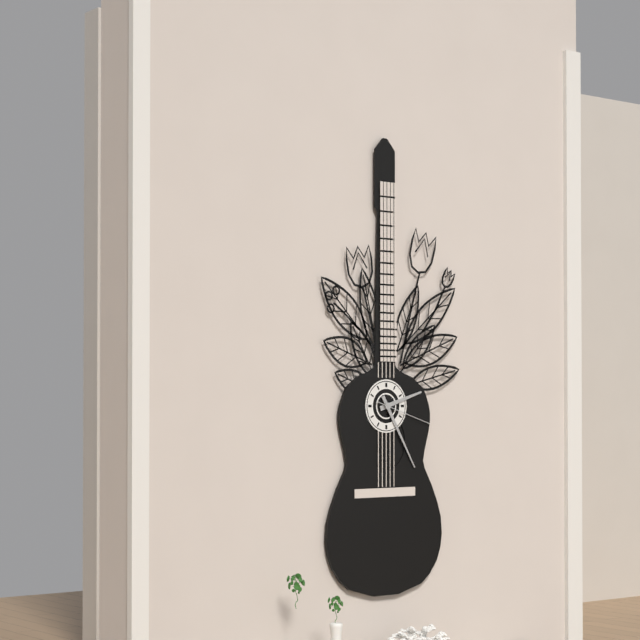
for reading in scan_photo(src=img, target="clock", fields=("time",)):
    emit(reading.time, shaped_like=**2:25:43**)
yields **2:25:18**
